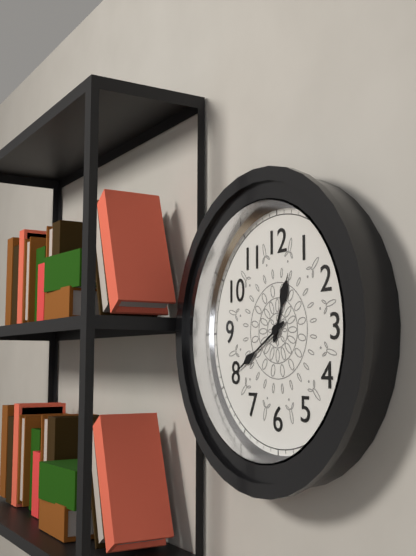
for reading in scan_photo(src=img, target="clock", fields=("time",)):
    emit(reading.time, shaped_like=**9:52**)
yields **12:40**
